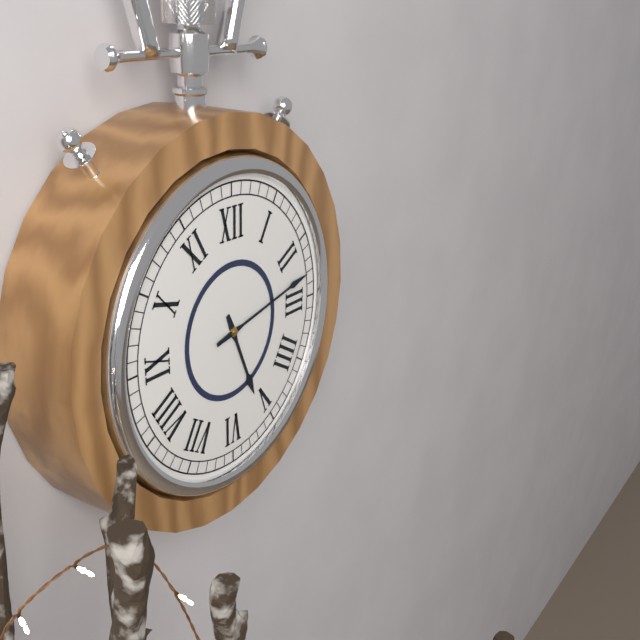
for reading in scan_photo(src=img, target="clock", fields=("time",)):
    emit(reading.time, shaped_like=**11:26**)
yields **5:13**
